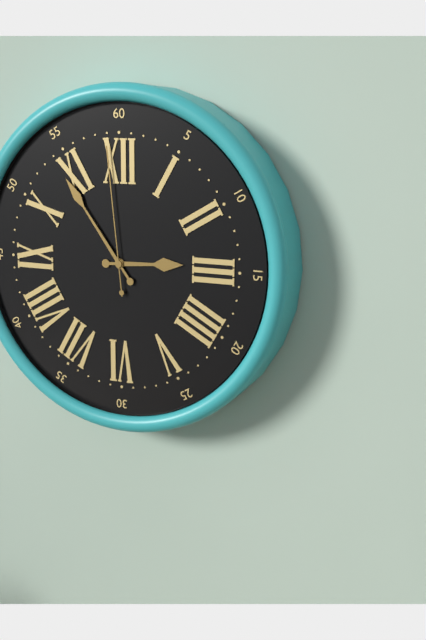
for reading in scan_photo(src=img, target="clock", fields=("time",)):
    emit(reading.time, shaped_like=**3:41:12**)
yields **2:54:59**
